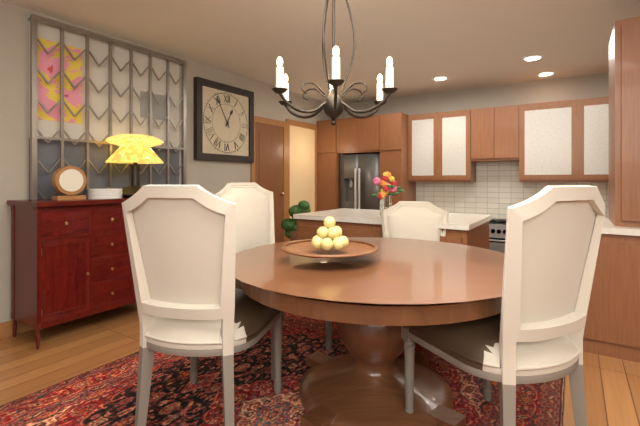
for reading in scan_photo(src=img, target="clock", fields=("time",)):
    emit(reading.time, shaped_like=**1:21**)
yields **12:55**
